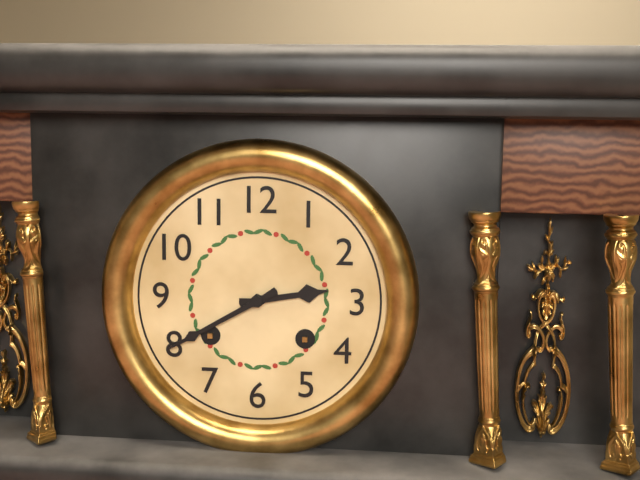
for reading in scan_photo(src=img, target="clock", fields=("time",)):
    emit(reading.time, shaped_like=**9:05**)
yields **2:40**
